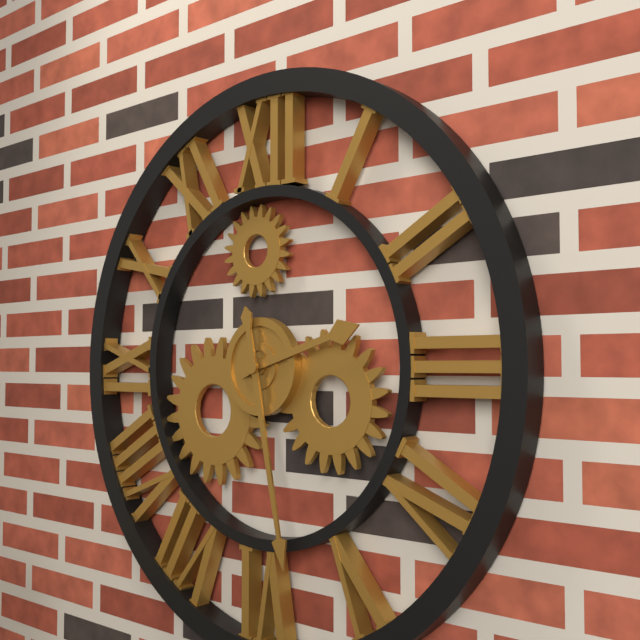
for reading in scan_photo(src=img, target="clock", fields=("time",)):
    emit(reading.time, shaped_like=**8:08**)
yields **2:28**
